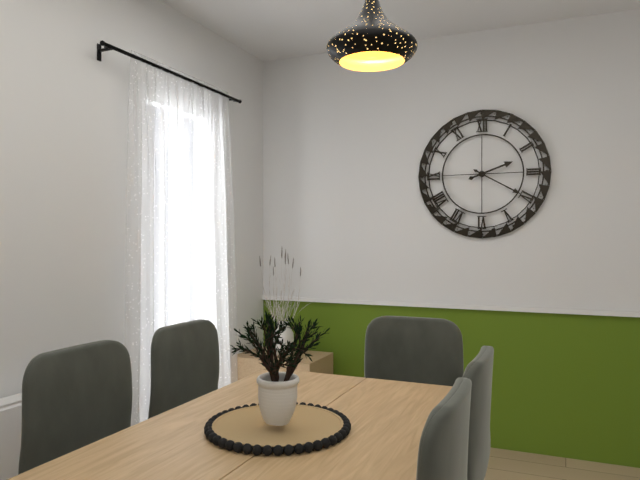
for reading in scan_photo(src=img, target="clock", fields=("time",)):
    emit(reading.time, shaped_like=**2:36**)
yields **2:20**
